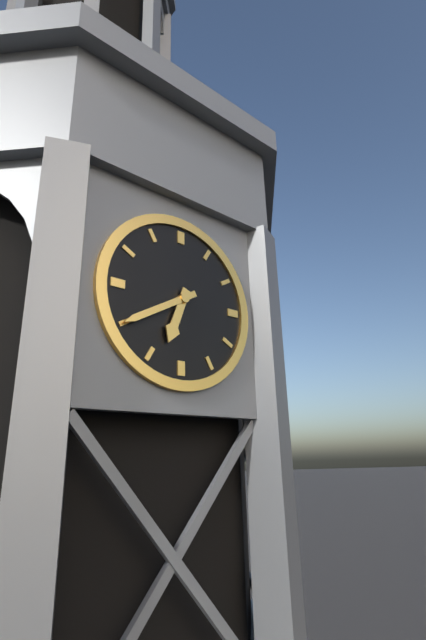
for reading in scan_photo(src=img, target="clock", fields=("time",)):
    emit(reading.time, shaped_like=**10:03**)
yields **6:40**
